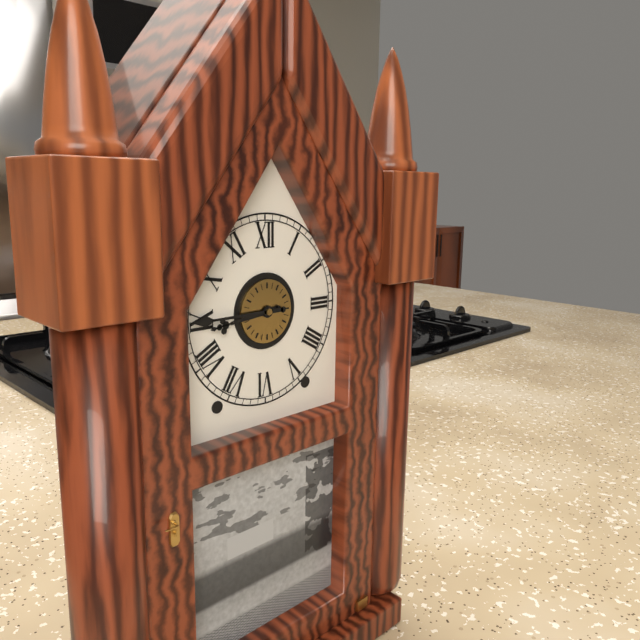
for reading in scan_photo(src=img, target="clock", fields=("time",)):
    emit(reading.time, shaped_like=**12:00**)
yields **8:45**
